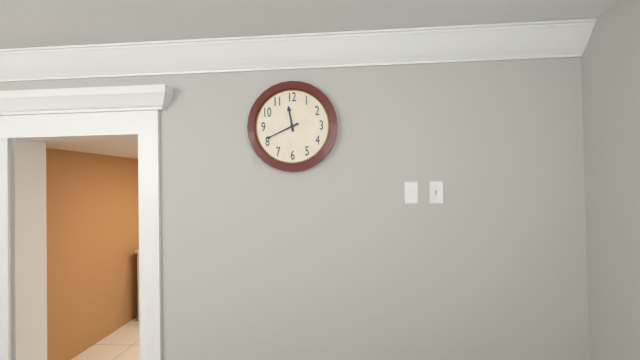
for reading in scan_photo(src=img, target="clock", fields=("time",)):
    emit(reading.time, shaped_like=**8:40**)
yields **11:41**
